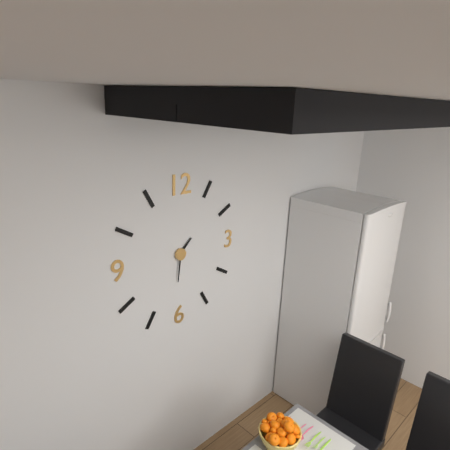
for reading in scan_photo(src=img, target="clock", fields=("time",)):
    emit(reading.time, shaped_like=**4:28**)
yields **1:31**
